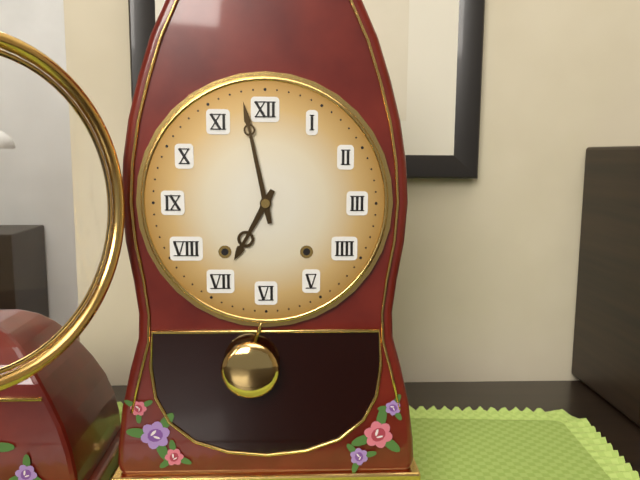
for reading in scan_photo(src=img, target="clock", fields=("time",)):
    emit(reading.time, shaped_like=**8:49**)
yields **6:58**
